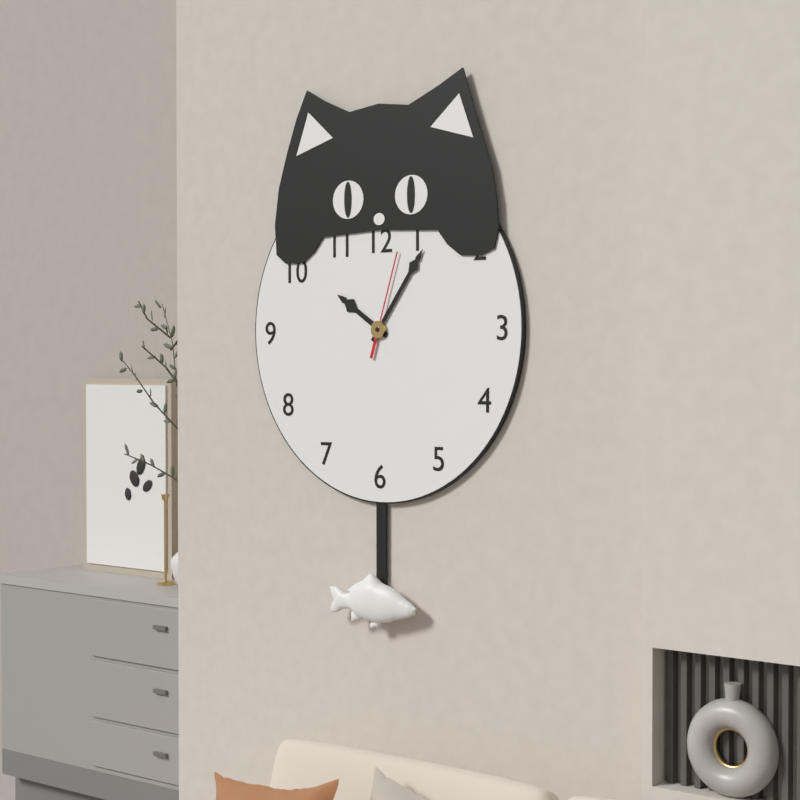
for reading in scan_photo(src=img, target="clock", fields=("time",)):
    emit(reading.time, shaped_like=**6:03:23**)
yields **10:06:03**
